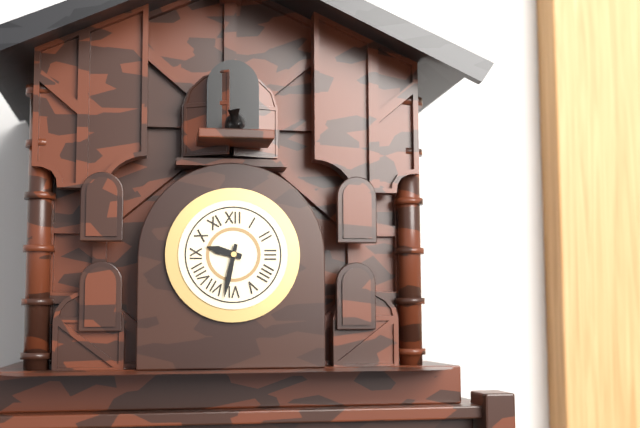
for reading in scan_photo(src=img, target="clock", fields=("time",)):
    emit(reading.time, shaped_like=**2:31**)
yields **9:32**
